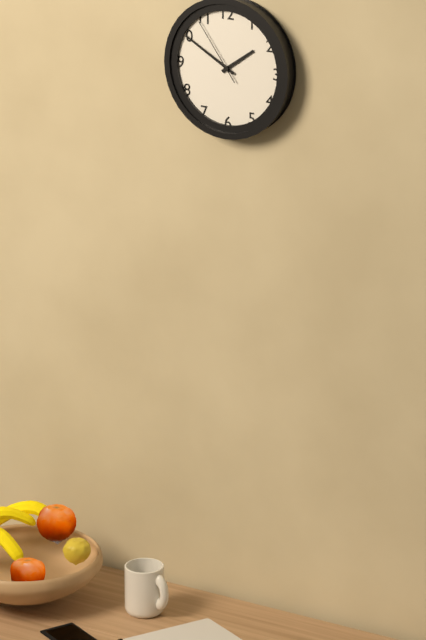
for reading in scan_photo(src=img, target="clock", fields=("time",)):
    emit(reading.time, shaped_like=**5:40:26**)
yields **1:50:54**
